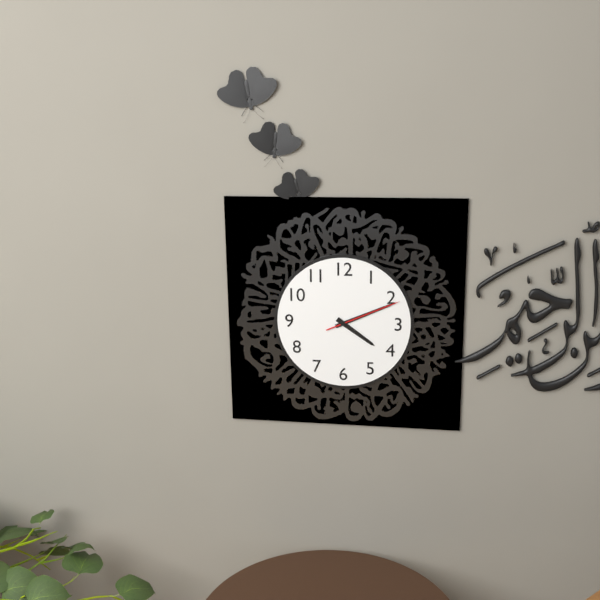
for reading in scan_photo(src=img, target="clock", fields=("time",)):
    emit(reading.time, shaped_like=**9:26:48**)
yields **4:11:11**
